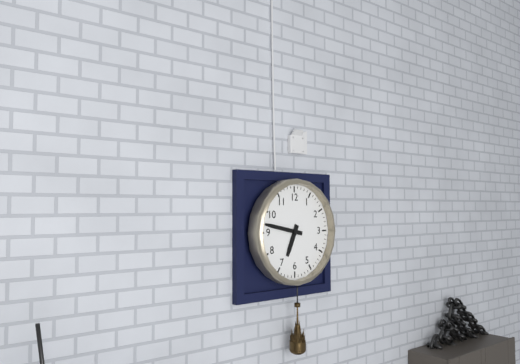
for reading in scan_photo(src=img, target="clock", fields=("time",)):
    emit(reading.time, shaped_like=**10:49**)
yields **6:47**
